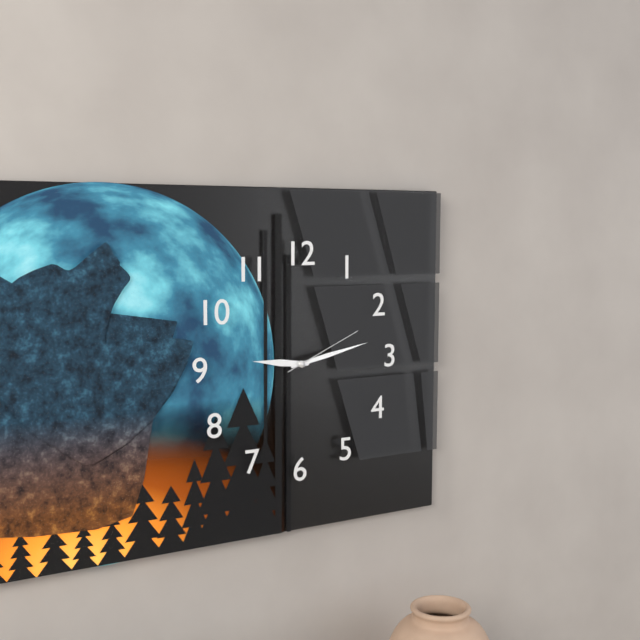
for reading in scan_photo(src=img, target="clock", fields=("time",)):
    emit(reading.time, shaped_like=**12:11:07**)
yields **9:13:11**
